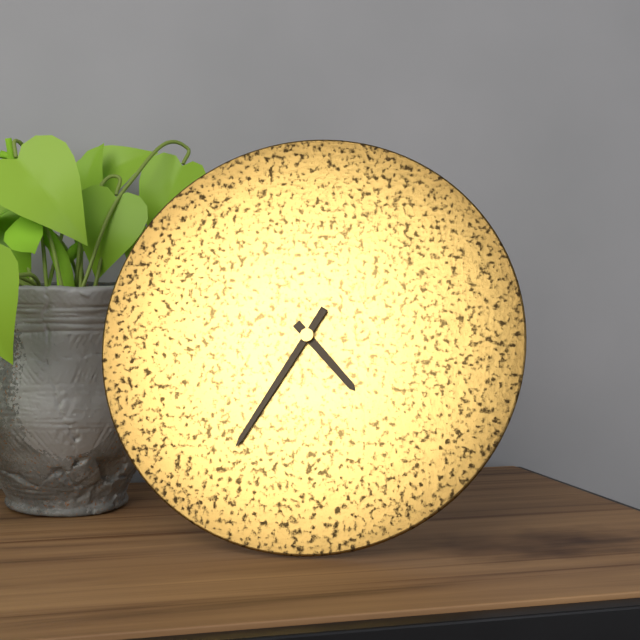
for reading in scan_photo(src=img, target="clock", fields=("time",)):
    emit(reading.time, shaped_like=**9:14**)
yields **4:35**
